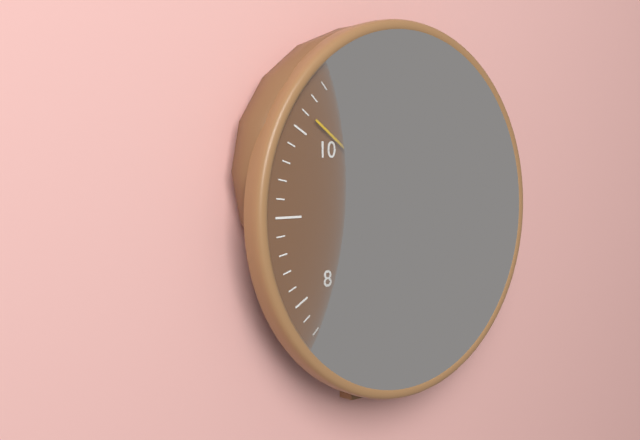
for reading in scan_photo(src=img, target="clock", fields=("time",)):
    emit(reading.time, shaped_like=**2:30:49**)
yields **2:10:51**
